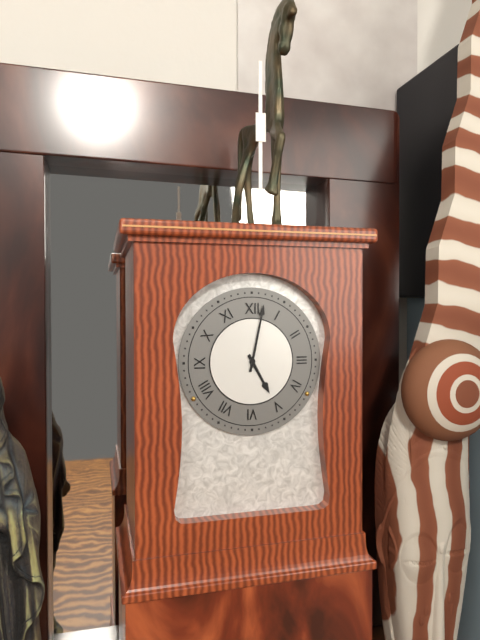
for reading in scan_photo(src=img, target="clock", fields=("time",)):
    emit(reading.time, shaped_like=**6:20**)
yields **5:02**
